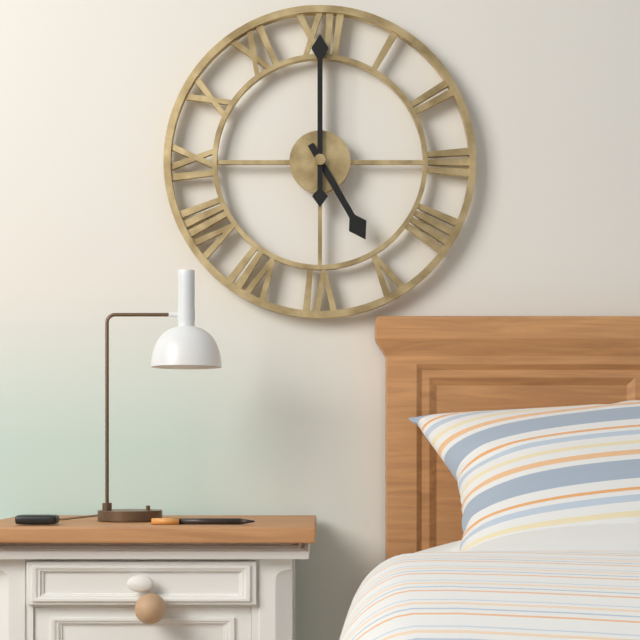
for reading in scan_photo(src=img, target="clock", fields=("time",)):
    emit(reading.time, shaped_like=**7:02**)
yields **5:00**
